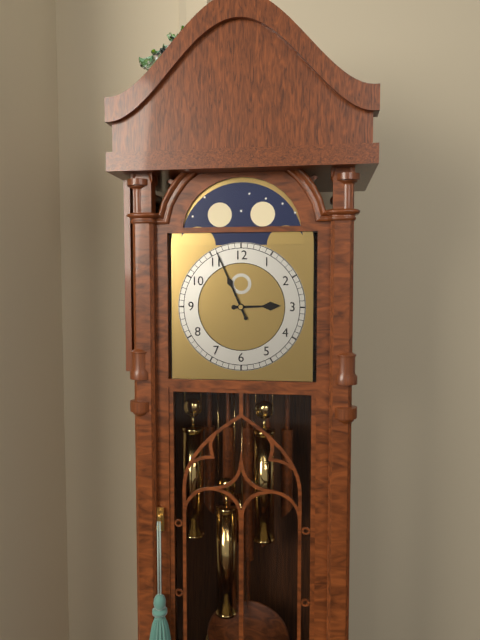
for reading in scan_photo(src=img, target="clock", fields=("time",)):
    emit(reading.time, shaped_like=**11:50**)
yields **2:56**
